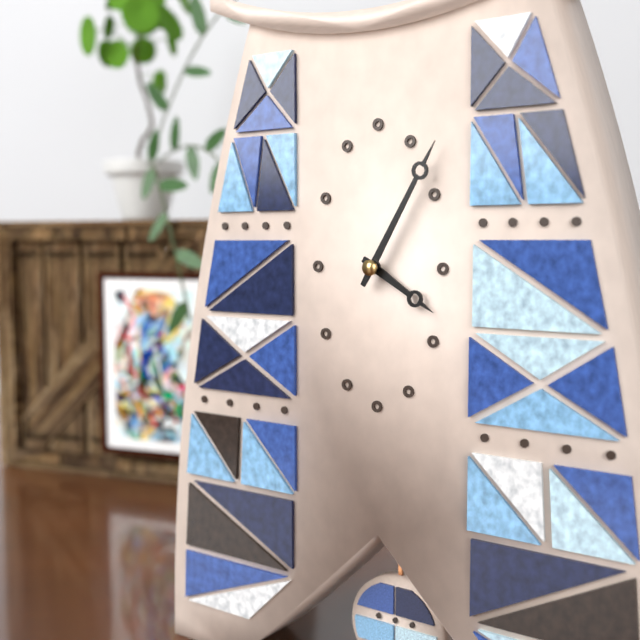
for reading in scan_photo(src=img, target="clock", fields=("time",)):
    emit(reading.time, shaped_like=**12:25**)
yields **4:05**
